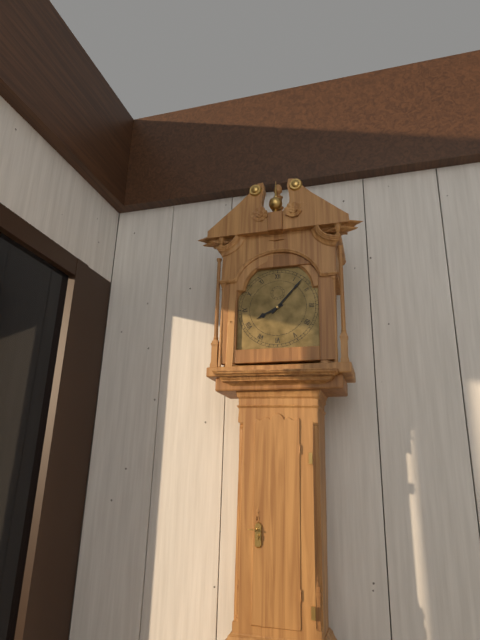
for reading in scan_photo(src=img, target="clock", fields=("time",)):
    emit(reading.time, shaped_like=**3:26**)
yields **8:07**
